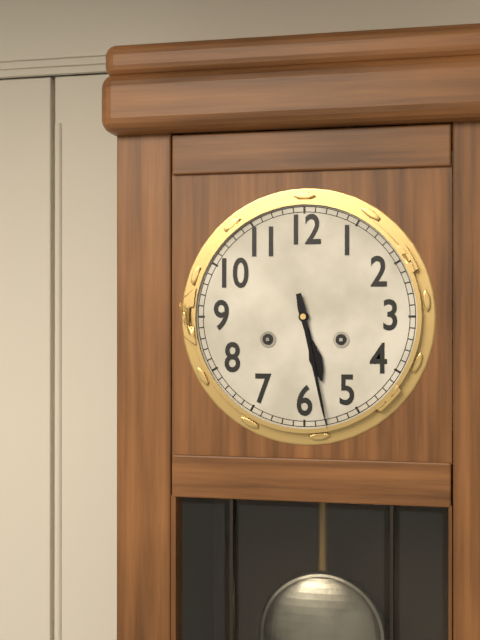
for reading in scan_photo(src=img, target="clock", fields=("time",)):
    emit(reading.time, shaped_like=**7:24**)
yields **5:28**
